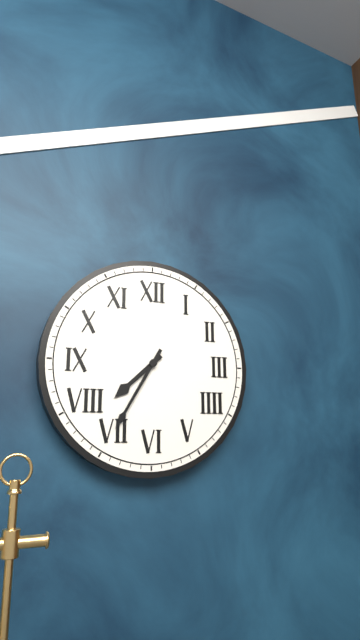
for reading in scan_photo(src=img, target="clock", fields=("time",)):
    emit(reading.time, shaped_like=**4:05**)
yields **7:35**
